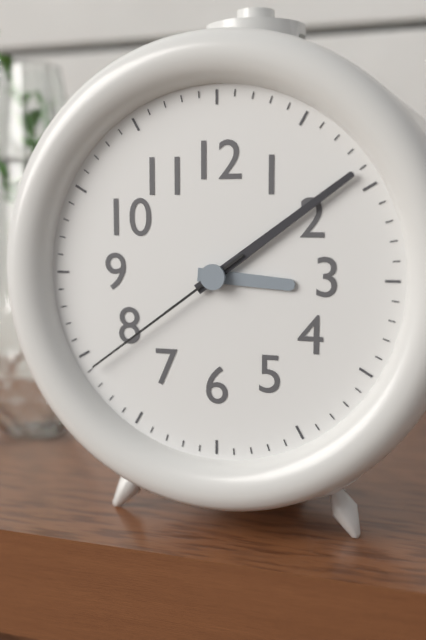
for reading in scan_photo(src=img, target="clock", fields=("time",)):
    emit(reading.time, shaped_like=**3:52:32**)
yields **3:09:39**
